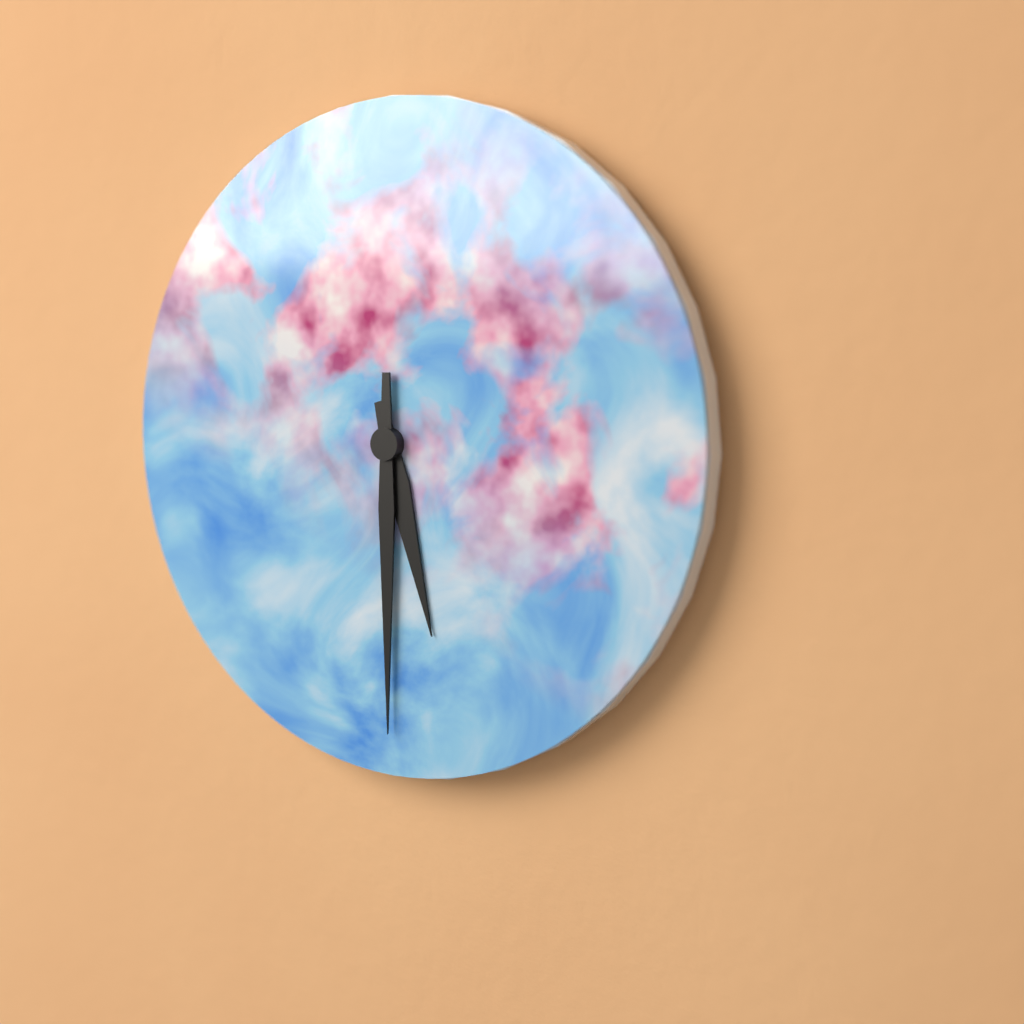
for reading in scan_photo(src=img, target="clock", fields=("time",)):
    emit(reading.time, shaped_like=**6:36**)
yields **5:30**
